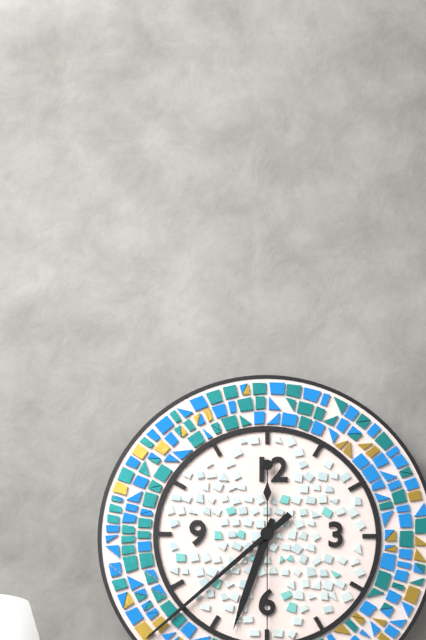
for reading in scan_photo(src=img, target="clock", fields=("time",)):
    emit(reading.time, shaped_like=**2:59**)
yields **6:38**
